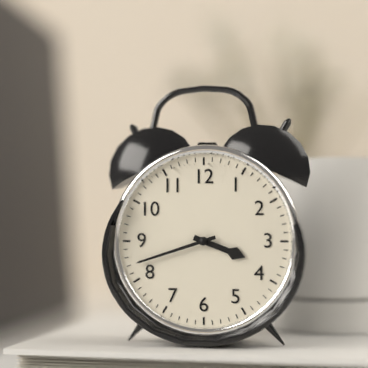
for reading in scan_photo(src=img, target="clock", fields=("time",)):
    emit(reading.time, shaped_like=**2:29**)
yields **3:42**
